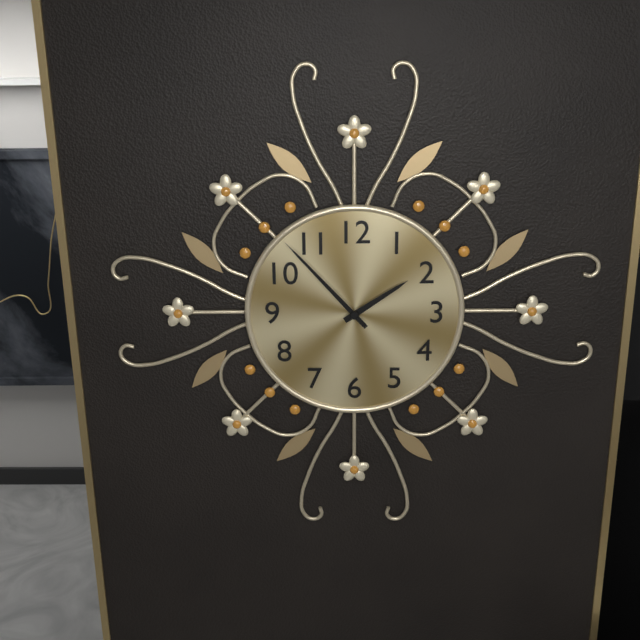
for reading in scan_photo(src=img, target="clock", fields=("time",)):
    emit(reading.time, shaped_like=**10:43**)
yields **1:53**
